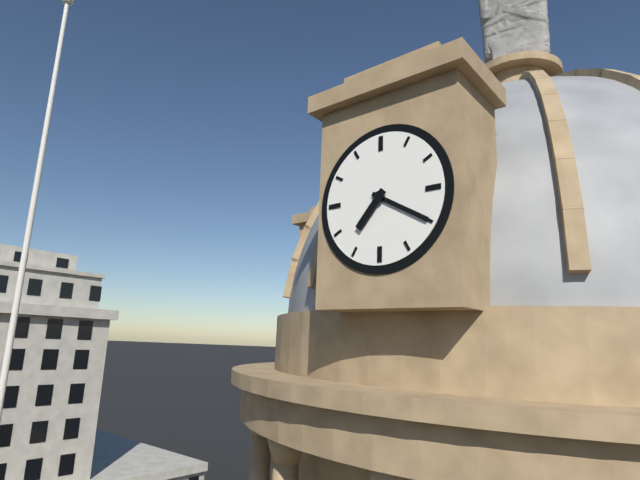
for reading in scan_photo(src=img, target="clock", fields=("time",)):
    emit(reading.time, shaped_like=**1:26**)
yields **7:20**
